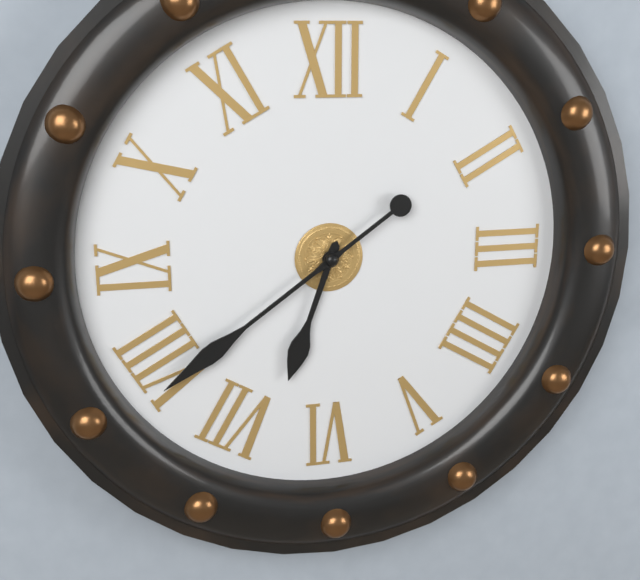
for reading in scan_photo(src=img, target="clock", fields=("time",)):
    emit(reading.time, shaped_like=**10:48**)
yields **6:39**
